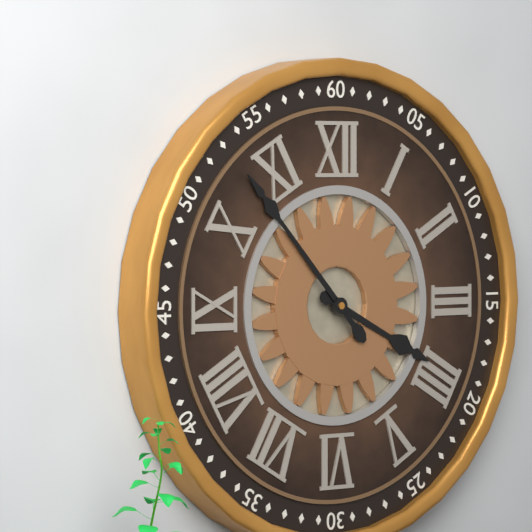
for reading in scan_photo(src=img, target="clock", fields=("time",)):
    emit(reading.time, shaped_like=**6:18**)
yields **3:53**
